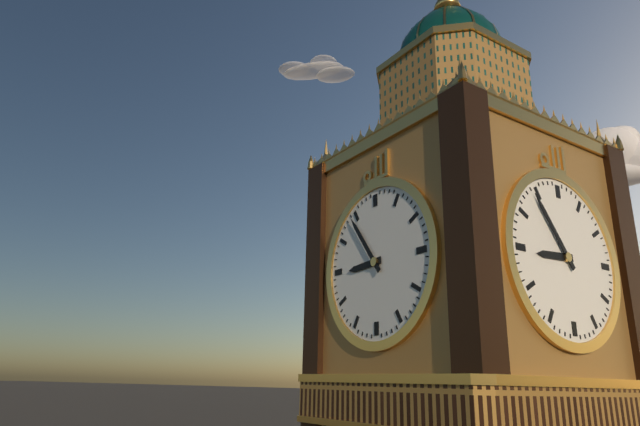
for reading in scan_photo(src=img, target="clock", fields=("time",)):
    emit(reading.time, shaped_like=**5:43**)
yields **8:54**
